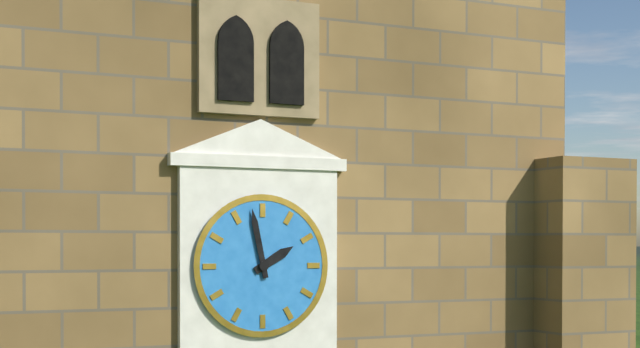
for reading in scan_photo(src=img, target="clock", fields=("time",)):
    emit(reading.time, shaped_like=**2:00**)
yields **1:58**
